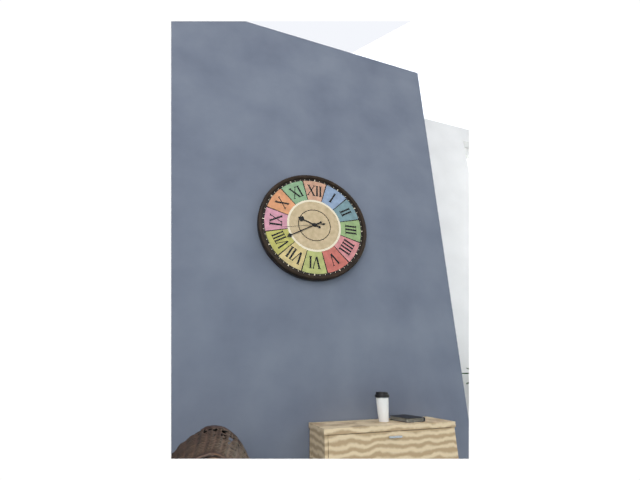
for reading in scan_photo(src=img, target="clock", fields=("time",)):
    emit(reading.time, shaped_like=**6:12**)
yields **9:40**
